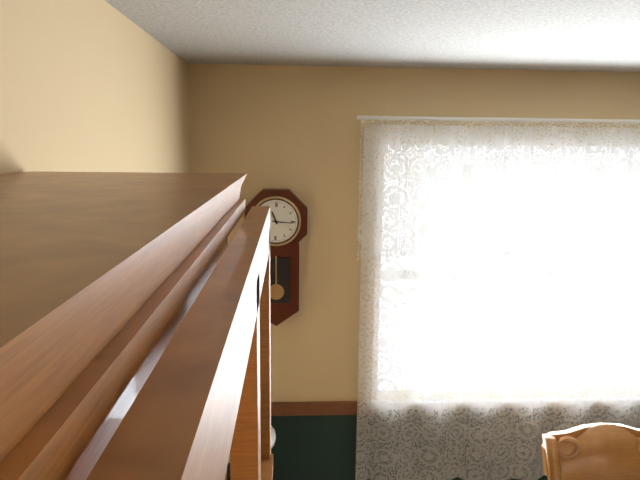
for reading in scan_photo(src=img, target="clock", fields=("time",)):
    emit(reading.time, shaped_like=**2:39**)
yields **11:16**
